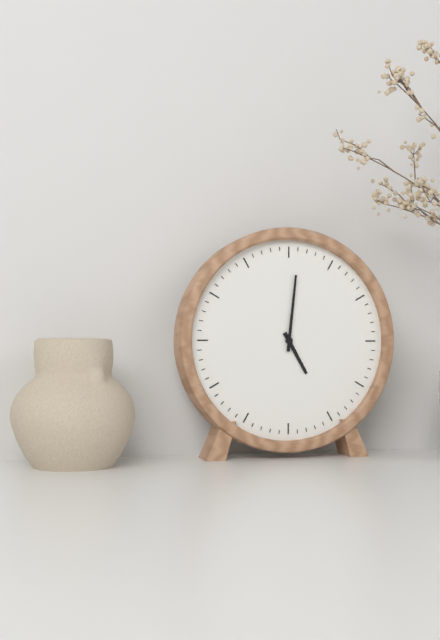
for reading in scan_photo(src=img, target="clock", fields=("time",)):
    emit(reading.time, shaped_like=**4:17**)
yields **5:01**
